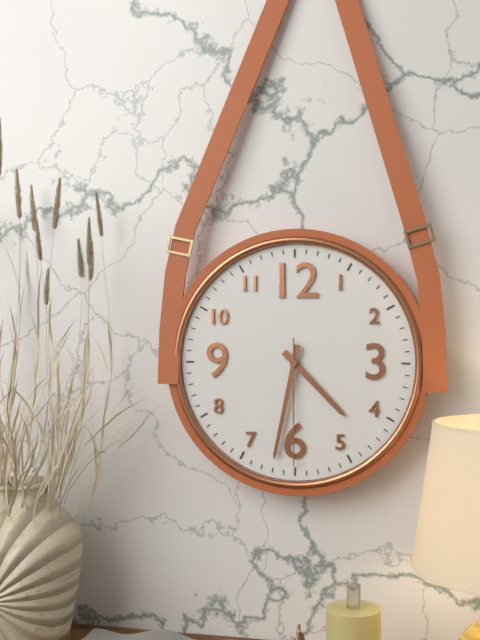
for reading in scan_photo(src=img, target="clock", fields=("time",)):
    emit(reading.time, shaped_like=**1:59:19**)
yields **4:32:30**
